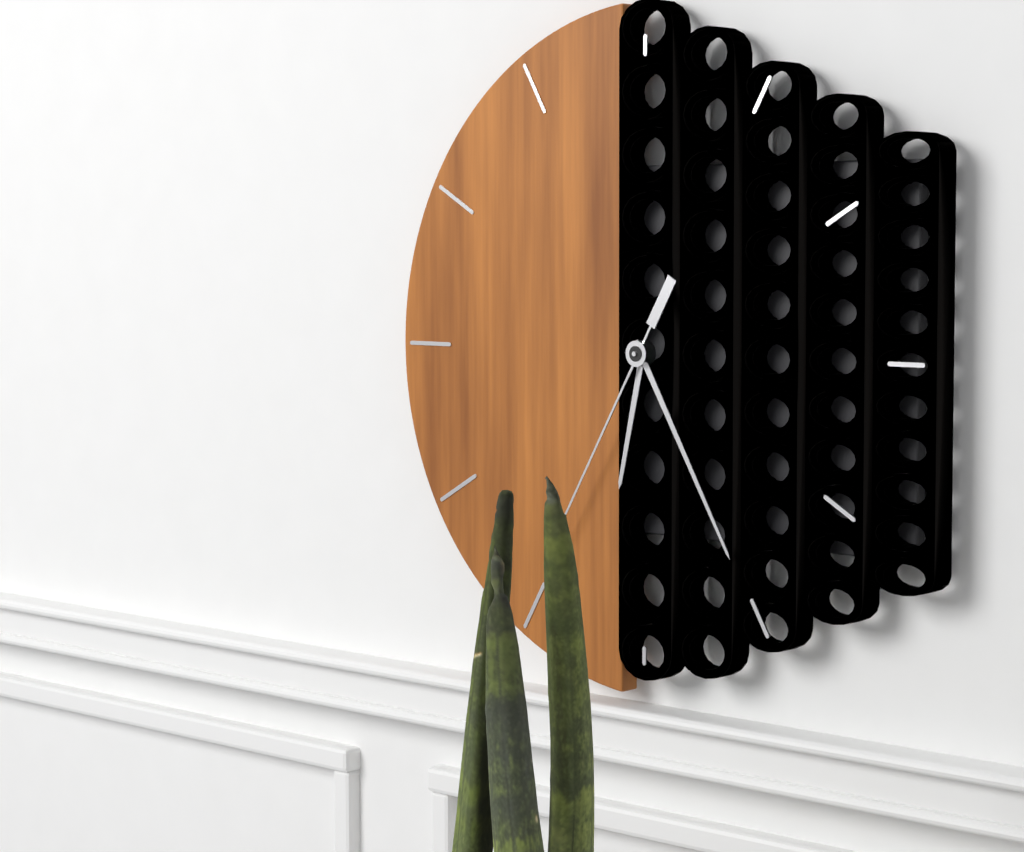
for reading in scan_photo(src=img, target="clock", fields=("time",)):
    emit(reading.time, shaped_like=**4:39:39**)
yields **6:25:35**
